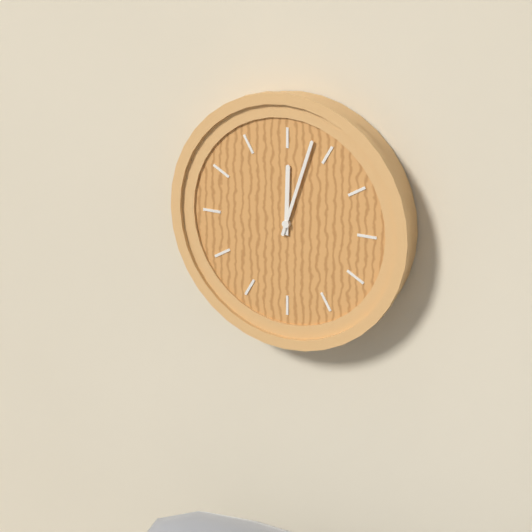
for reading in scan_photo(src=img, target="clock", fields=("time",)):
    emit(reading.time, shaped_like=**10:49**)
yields **12:03**
